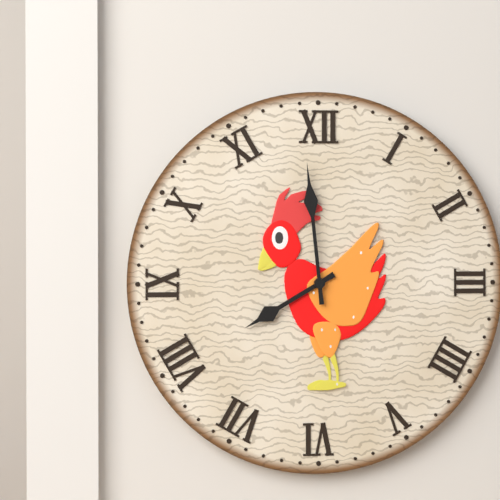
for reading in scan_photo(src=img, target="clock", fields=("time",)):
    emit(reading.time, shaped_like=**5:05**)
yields **7:59**
